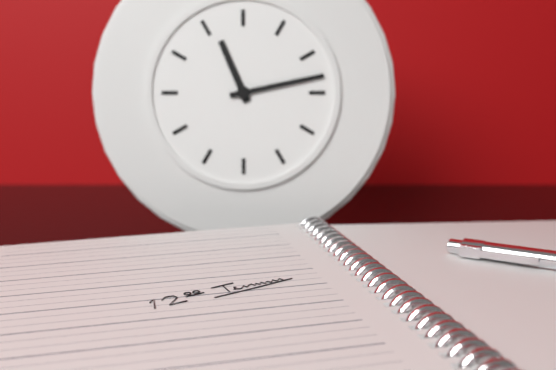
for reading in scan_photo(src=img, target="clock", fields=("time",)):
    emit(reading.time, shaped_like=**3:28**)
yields **11:13**
